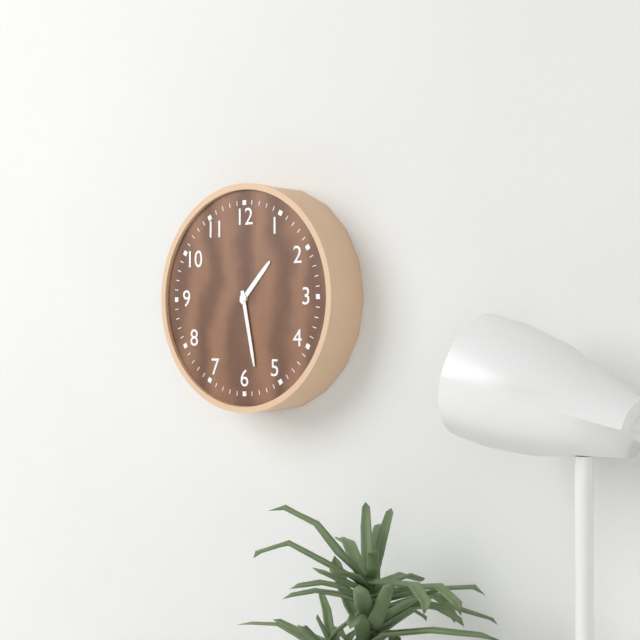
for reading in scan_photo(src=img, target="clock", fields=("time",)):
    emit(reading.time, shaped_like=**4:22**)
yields **1:28**
